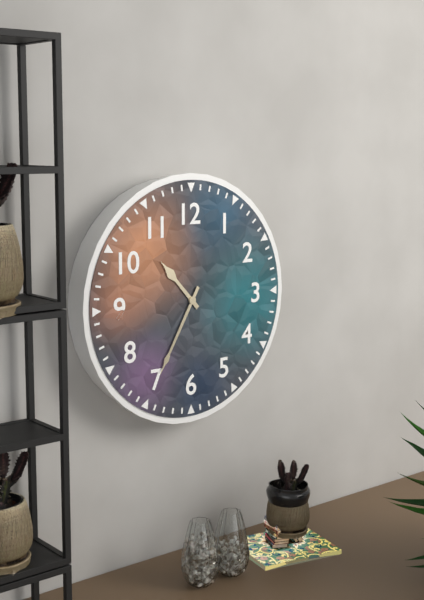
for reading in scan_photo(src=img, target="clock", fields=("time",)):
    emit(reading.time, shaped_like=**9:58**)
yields **10:35**
